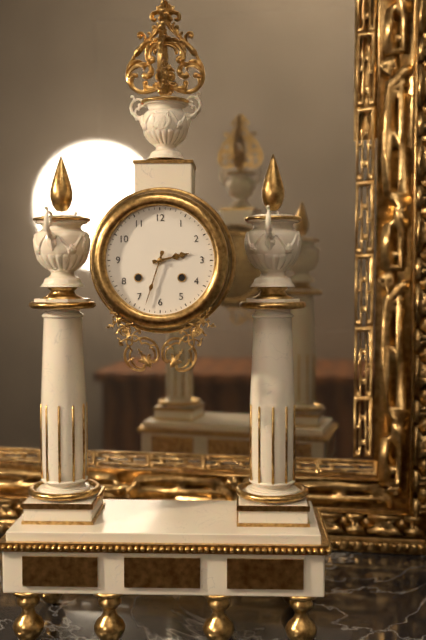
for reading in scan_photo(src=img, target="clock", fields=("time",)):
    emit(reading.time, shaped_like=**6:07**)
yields **2:33**
